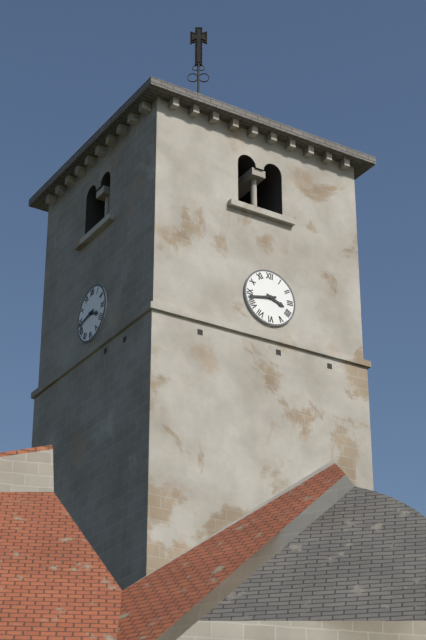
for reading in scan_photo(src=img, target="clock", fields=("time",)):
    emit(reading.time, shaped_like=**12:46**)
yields **3:43**
